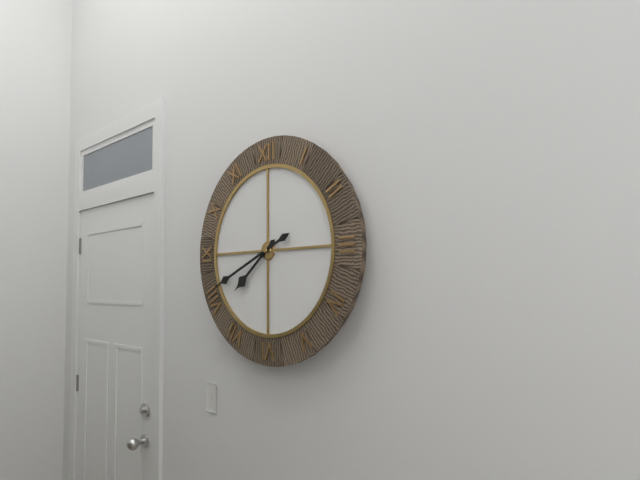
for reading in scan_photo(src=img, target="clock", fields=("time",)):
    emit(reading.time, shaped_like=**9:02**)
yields **7:41**
